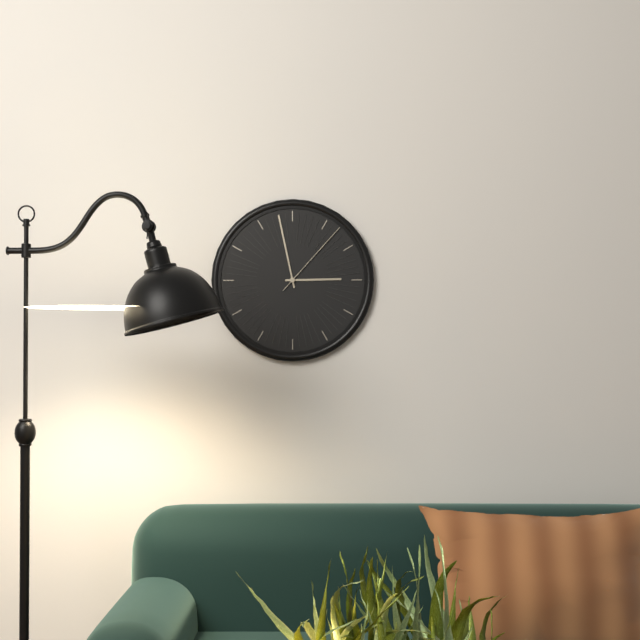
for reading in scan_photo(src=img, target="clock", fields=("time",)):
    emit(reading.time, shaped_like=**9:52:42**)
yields **2:58:07**
